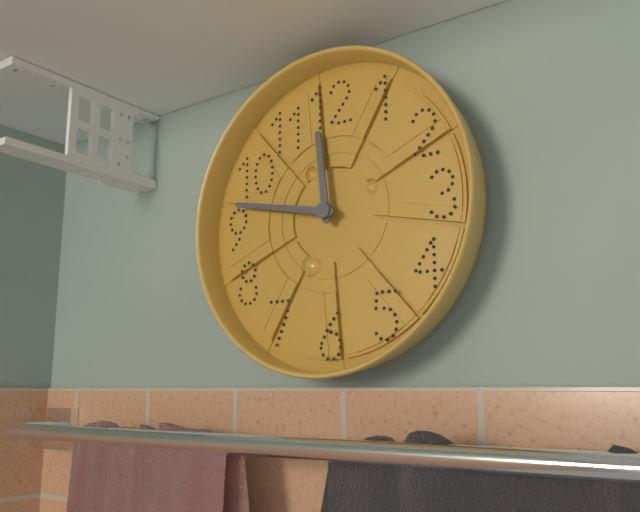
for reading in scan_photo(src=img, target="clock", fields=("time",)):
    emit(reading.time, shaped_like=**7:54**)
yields **11:47**
